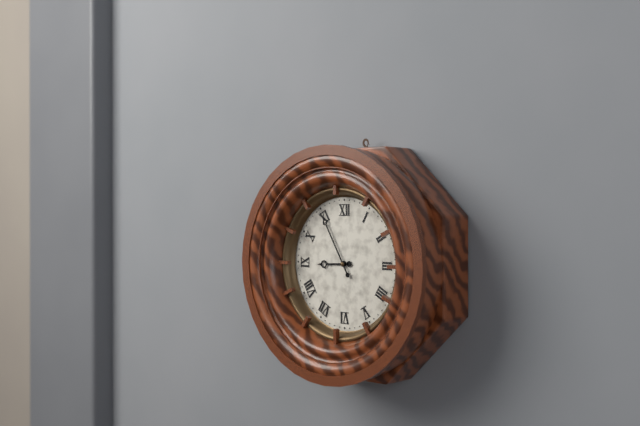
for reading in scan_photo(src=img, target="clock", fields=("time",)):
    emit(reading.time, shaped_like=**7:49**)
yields **8:55**
